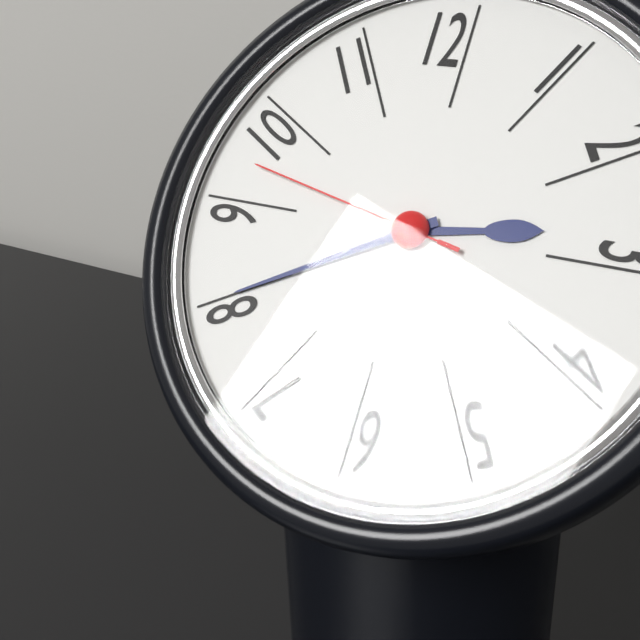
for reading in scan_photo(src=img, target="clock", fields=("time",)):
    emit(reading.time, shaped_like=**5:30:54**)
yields **2:40:47**
